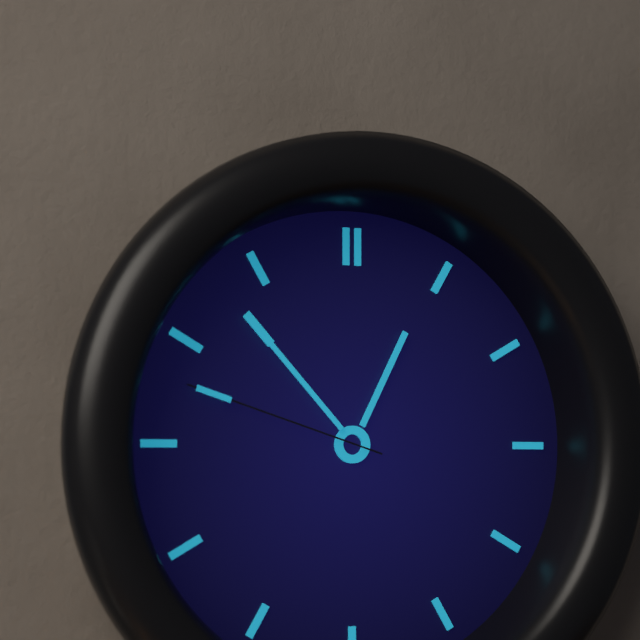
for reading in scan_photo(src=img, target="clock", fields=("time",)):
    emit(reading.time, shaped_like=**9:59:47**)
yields **12:53:48**
